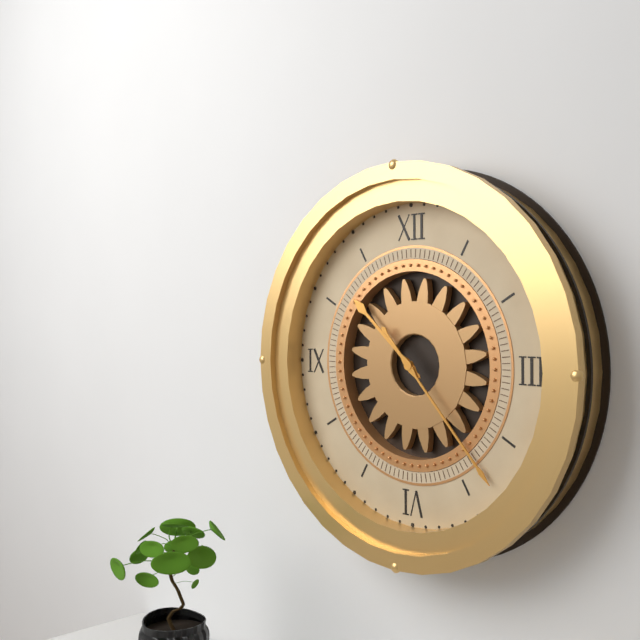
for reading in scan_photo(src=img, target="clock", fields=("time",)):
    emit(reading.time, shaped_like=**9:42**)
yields **10:23**
